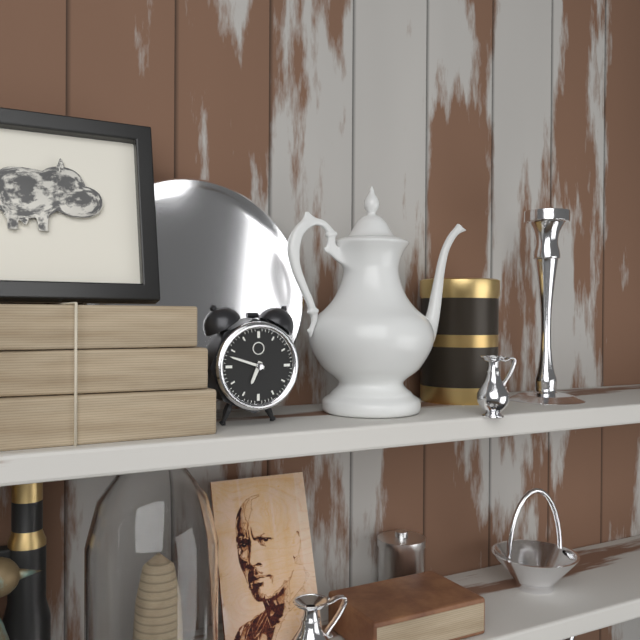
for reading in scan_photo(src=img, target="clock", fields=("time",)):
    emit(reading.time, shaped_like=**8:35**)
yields **6:48**
